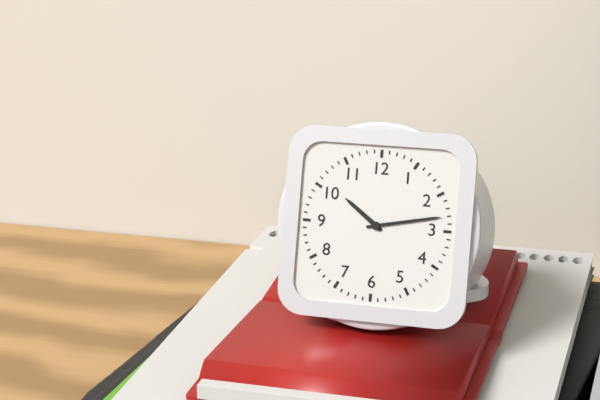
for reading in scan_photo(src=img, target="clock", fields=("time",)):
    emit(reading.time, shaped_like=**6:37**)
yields **10:13**
